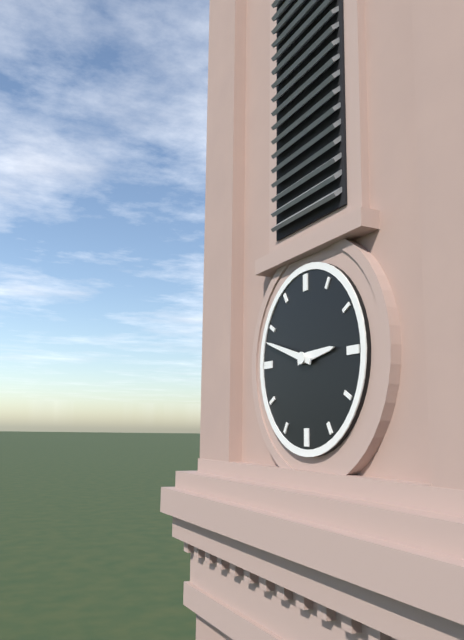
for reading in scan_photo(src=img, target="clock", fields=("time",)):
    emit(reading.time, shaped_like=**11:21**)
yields **2:48**
